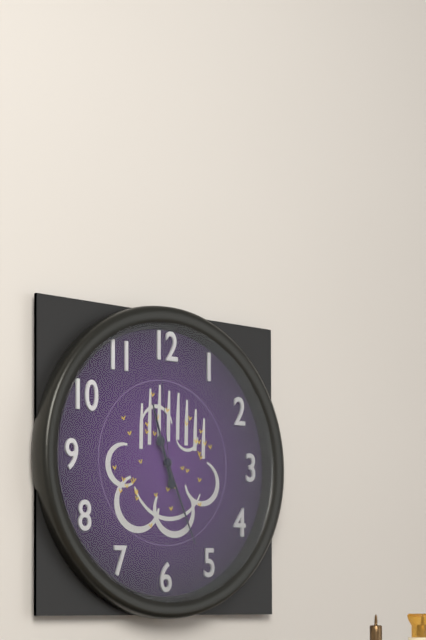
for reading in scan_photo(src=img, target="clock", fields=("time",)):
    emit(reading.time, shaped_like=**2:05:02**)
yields **11:26:59**
